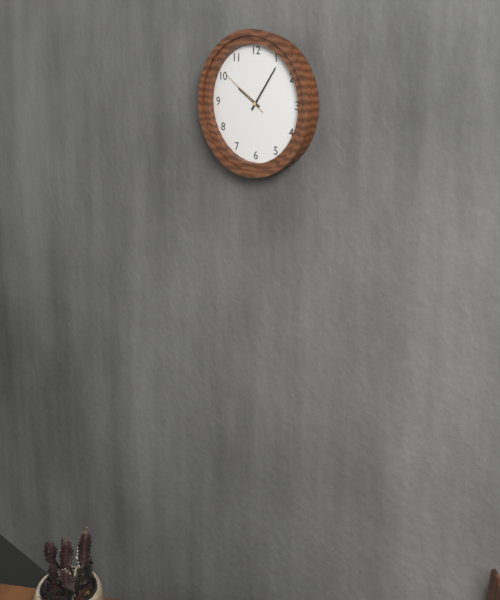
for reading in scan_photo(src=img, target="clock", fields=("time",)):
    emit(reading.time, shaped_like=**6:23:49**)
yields **10:06:51**
